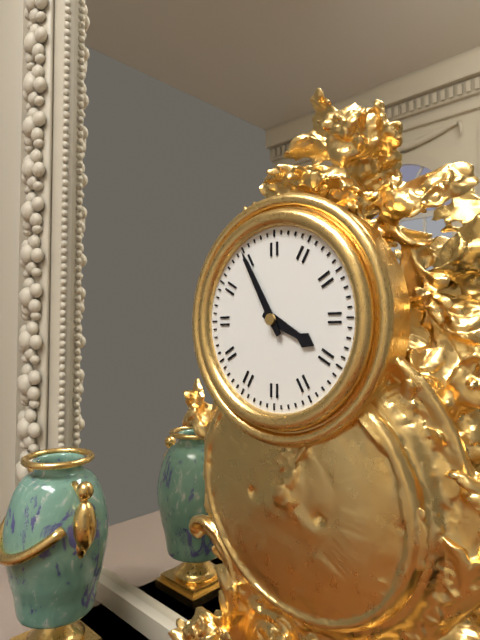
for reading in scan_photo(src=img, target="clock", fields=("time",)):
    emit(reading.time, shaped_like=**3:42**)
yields **3:55**
